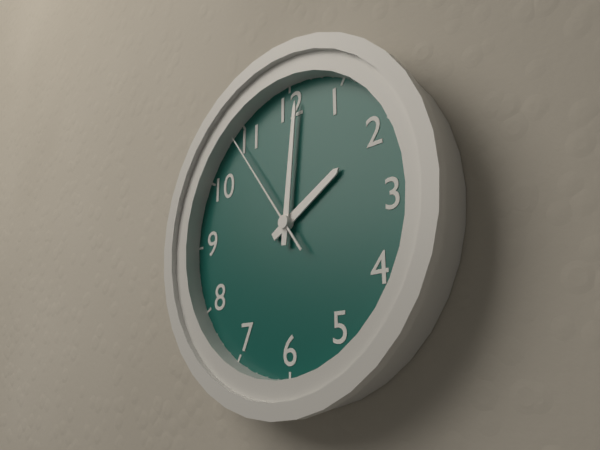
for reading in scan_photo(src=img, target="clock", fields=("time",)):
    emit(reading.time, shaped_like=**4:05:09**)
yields **2:01:54**
